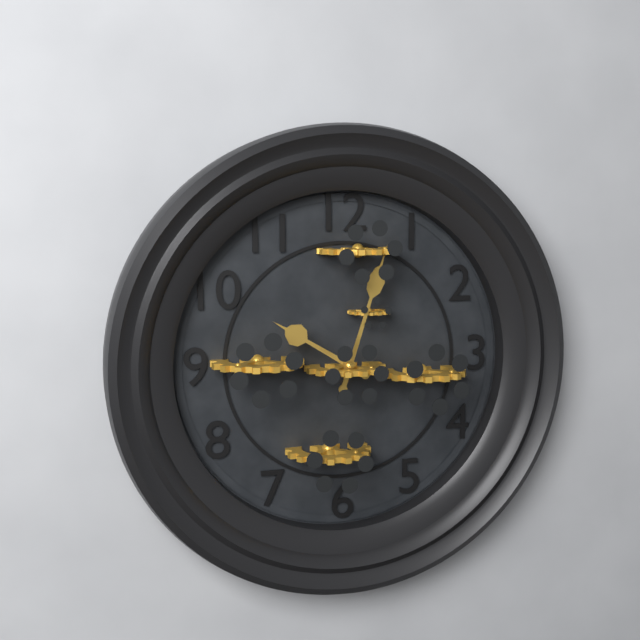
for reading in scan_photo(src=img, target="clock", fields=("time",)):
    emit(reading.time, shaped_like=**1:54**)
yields **10:03**
